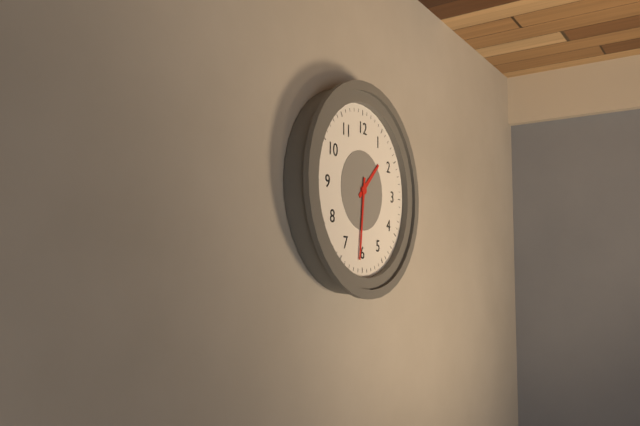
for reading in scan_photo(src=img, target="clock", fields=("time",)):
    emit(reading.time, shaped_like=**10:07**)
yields **1:31**
